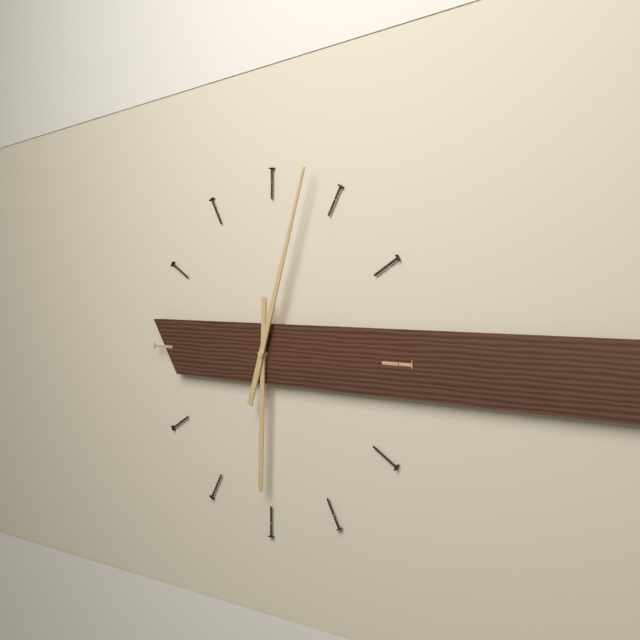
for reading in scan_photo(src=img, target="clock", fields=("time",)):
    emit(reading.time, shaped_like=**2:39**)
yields **6:03**
